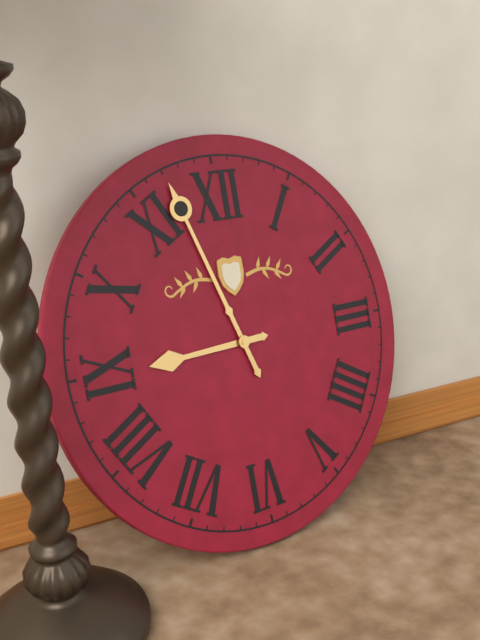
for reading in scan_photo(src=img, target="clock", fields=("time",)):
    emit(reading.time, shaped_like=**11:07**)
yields **8:57**
